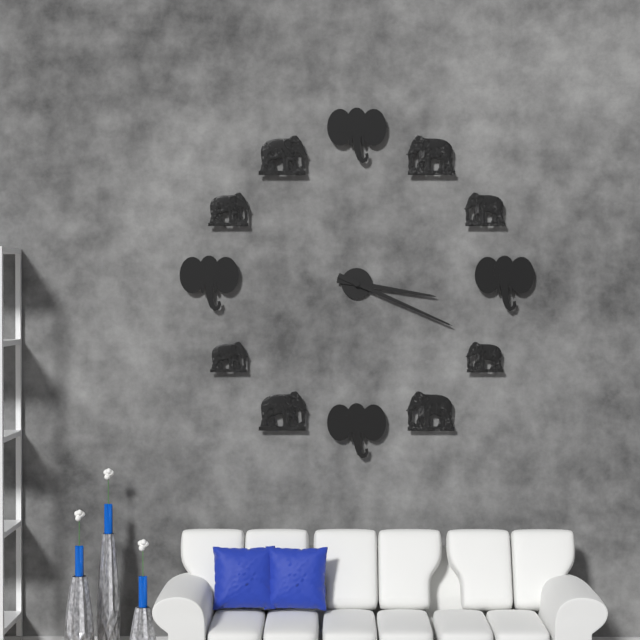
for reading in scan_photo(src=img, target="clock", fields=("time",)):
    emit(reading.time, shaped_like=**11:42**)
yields **3:19**
